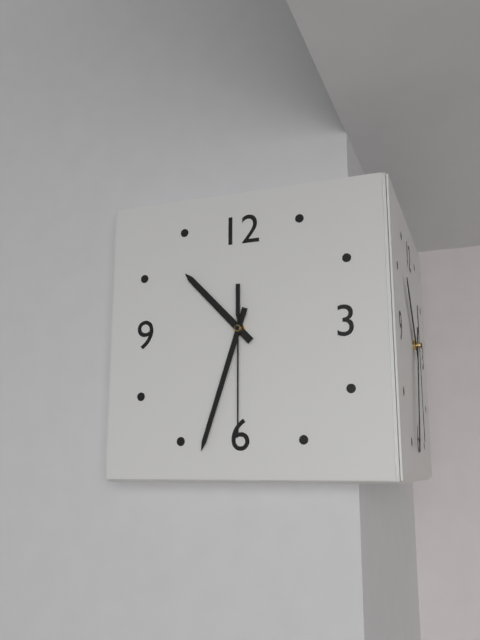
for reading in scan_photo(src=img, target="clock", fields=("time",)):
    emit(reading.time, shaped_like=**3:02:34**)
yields **10:33:30**
